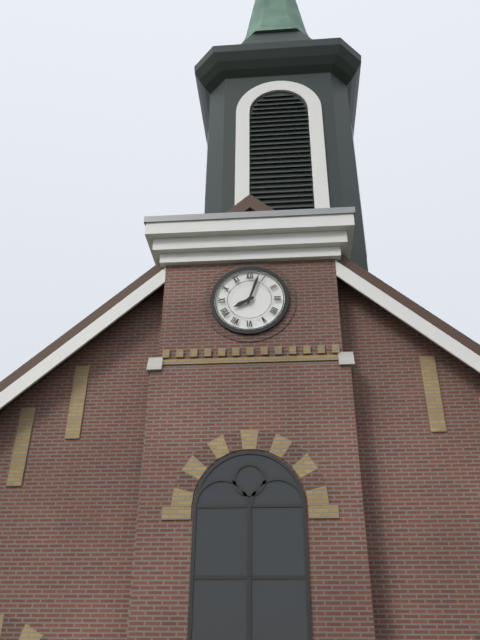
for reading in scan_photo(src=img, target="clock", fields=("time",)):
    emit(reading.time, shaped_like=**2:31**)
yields **8:03**
